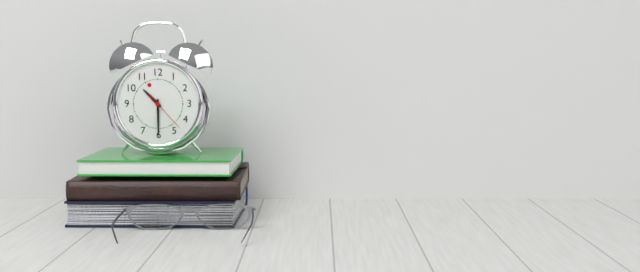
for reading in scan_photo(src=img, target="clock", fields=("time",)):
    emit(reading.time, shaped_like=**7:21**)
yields **10:30**
